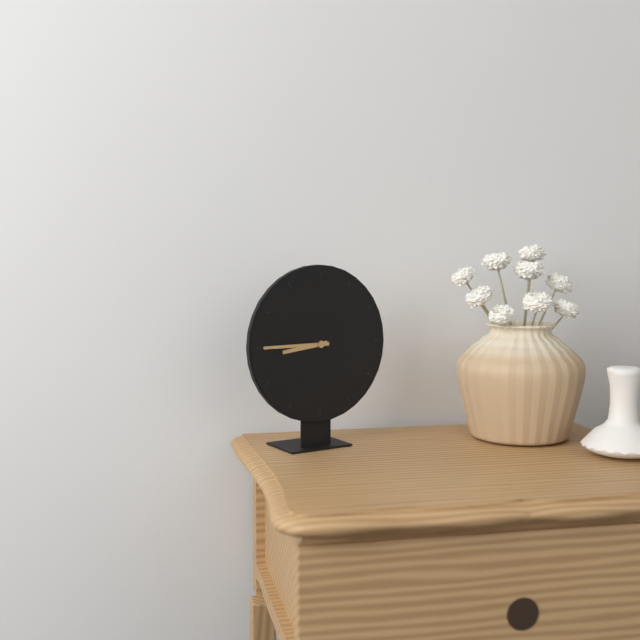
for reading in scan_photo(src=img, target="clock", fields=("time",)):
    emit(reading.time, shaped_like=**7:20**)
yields **8:45**
